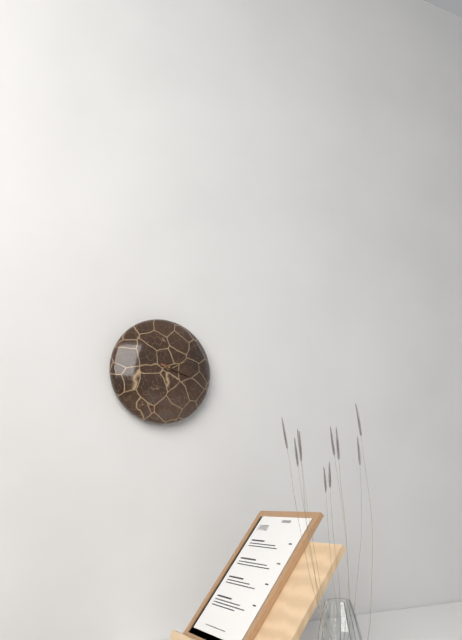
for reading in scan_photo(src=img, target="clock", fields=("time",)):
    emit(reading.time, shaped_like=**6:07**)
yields **2:18**
